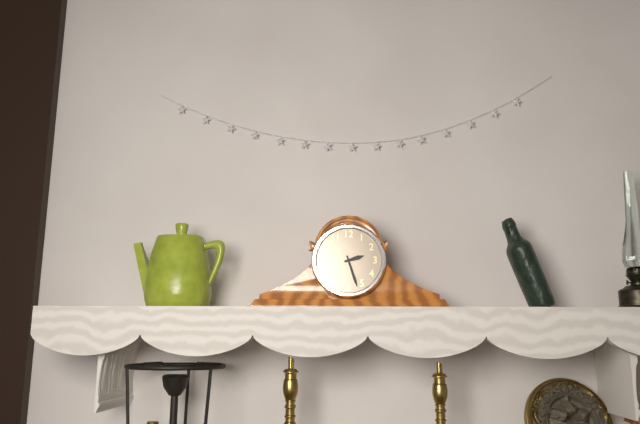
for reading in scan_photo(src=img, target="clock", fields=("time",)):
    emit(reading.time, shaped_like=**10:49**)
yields **2:27**
